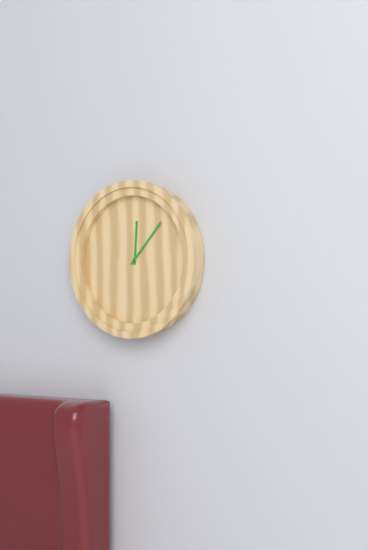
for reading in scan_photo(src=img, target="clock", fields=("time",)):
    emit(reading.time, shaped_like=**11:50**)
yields **12:07**
